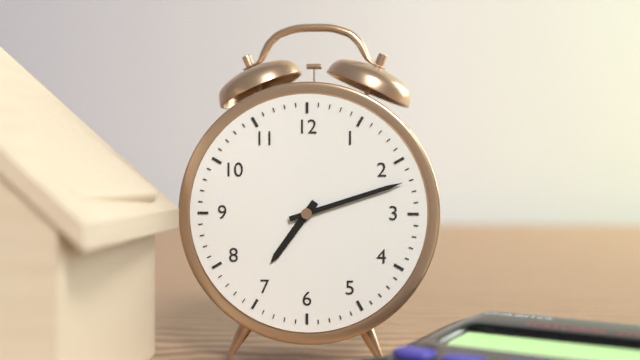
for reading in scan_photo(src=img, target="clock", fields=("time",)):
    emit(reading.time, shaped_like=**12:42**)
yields **7:12**
